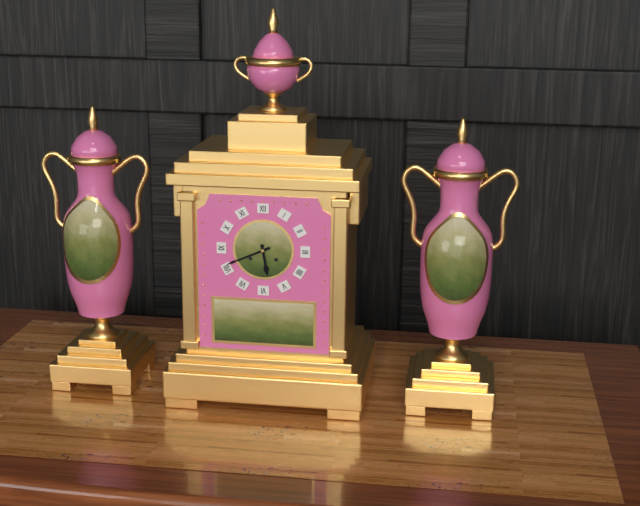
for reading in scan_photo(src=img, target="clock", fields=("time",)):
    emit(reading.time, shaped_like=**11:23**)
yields **5:41**
